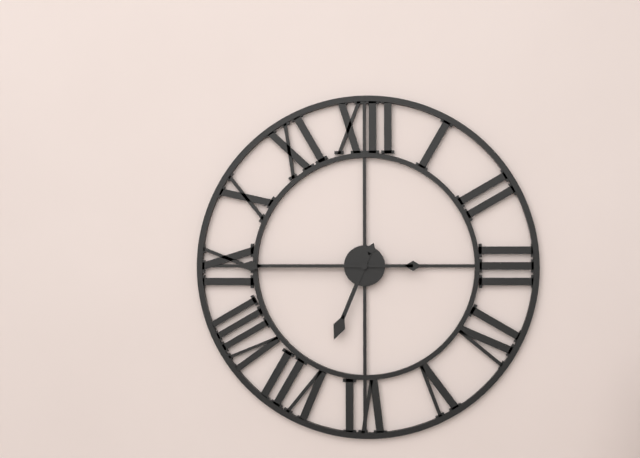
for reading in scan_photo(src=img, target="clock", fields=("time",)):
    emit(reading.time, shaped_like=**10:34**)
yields **6:45**
